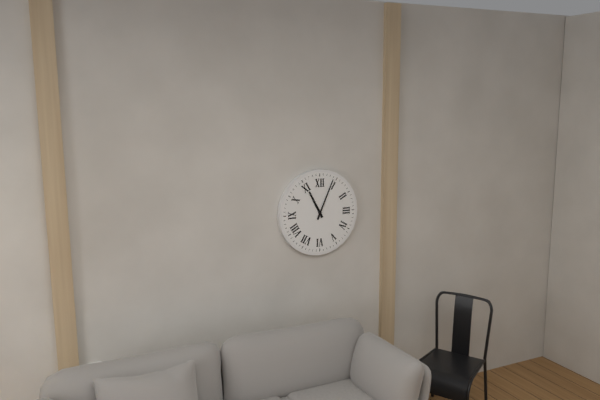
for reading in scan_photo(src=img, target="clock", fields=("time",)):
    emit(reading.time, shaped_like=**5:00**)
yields **11:04**
